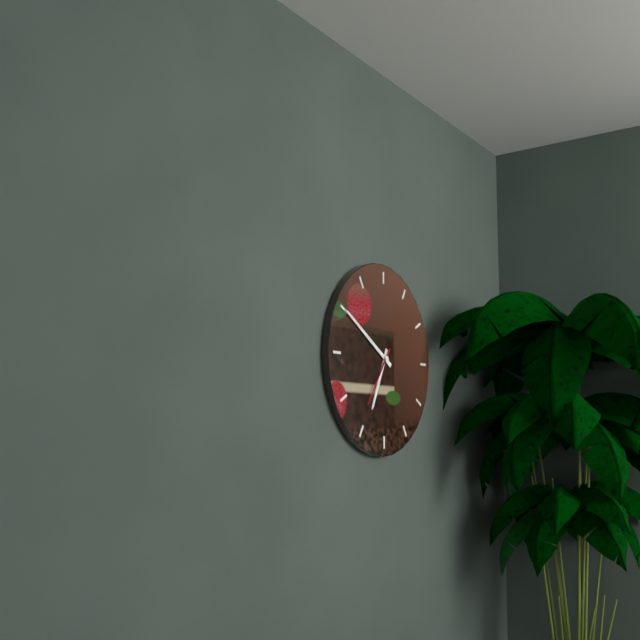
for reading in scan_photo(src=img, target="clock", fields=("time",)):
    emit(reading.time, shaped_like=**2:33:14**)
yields **6:50:36**
